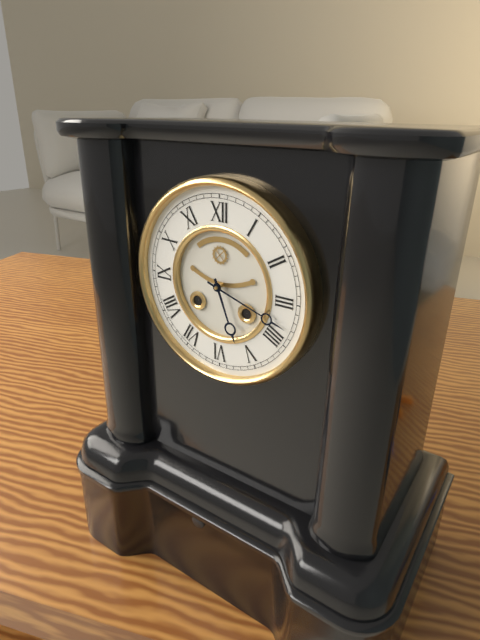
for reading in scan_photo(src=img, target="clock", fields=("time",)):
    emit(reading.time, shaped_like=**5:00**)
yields **5:18**
